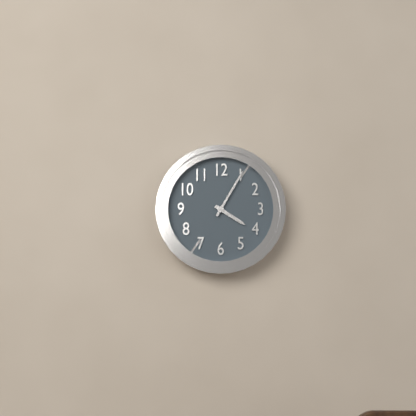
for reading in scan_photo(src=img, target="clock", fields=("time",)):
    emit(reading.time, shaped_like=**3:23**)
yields **4:05**
